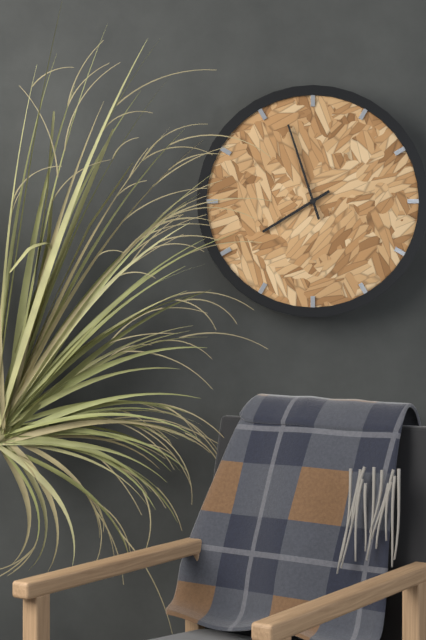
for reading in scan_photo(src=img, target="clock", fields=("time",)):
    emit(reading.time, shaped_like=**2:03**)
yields **7:57**
